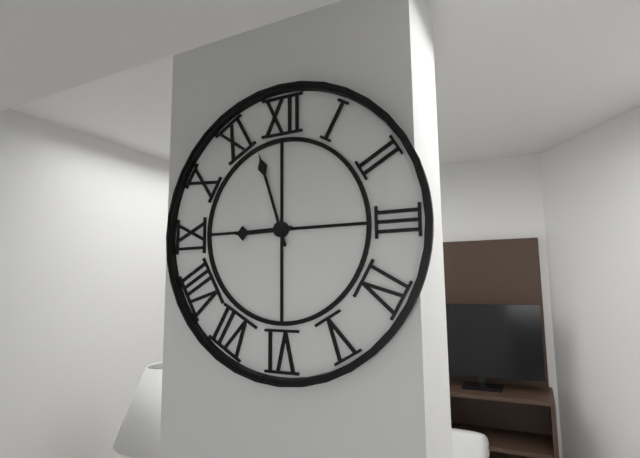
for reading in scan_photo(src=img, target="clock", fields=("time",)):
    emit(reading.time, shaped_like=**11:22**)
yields **8:57**
